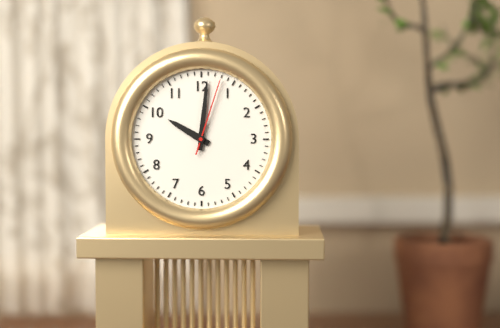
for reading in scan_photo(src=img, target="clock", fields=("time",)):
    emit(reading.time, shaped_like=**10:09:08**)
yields **10:01:03**
